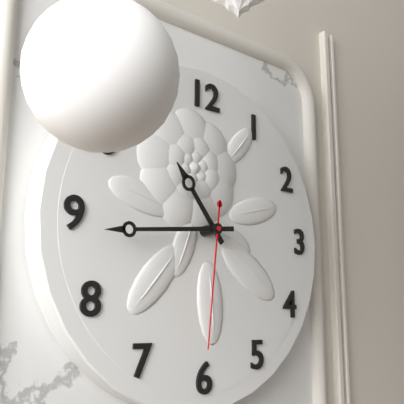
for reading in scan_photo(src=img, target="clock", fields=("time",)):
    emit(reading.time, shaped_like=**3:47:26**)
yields **10:44:31**
